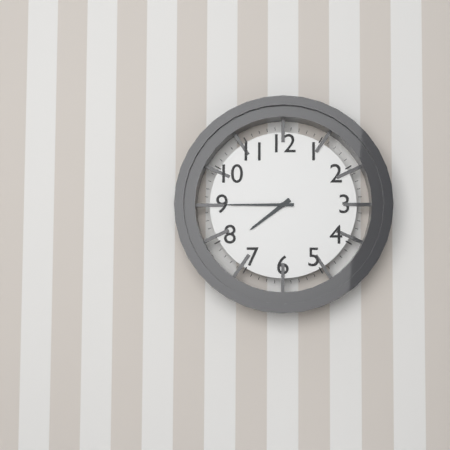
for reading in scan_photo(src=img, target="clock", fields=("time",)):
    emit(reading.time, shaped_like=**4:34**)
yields **7:45**
